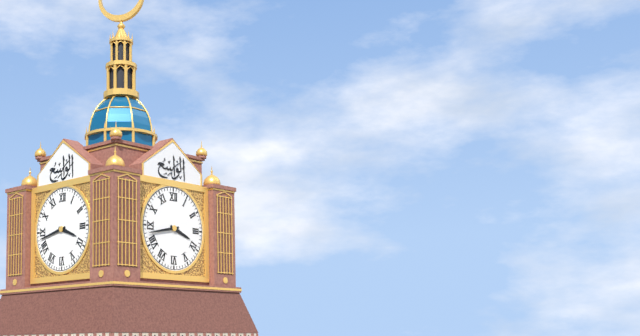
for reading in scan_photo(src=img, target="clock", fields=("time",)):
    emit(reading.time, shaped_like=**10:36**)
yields **3:43**
